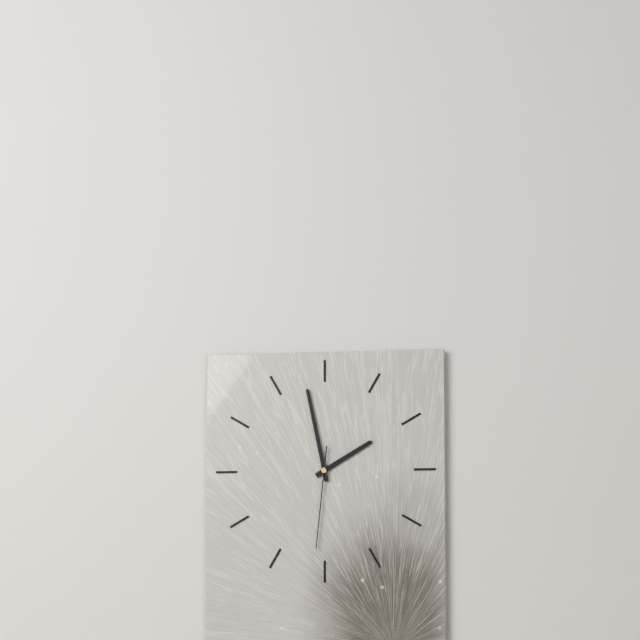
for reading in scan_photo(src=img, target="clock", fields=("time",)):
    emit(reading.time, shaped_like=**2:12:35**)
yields **1:58:31**
